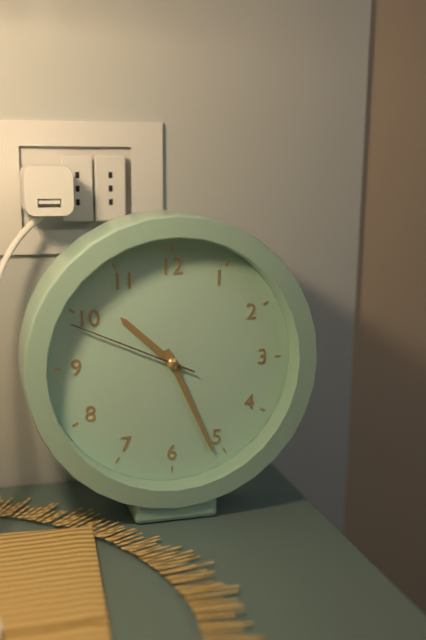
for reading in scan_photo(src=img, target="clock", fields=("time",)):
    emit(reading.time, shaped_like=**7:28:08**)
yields **10:26:49**
